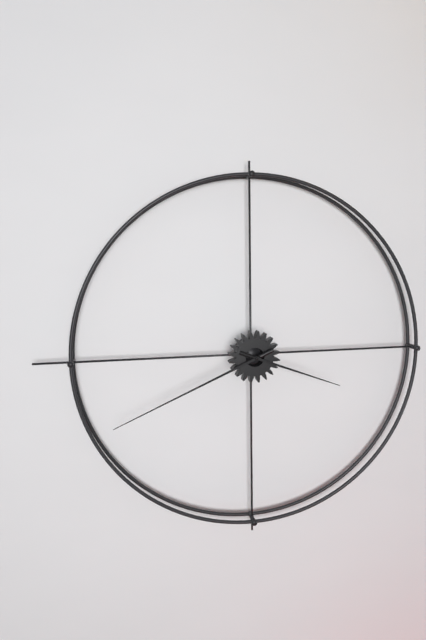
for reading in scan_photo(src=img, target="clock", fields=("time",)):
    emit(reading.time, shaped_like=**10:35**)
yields **3:41**
